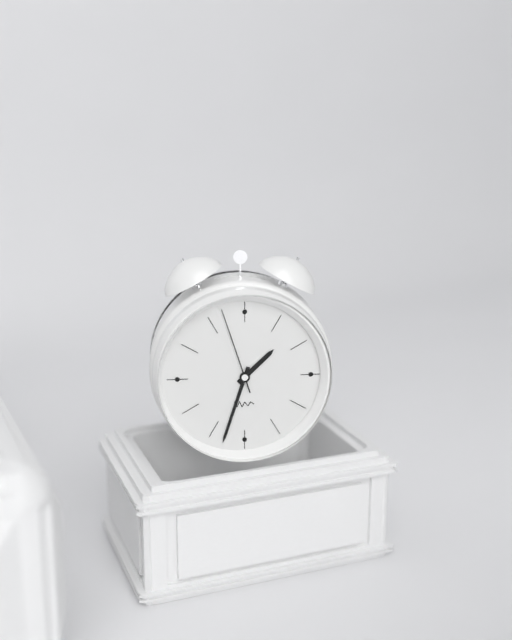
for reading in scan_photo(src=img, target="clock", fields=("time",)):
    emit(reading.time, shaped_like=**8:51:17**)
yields **1:33:57**
